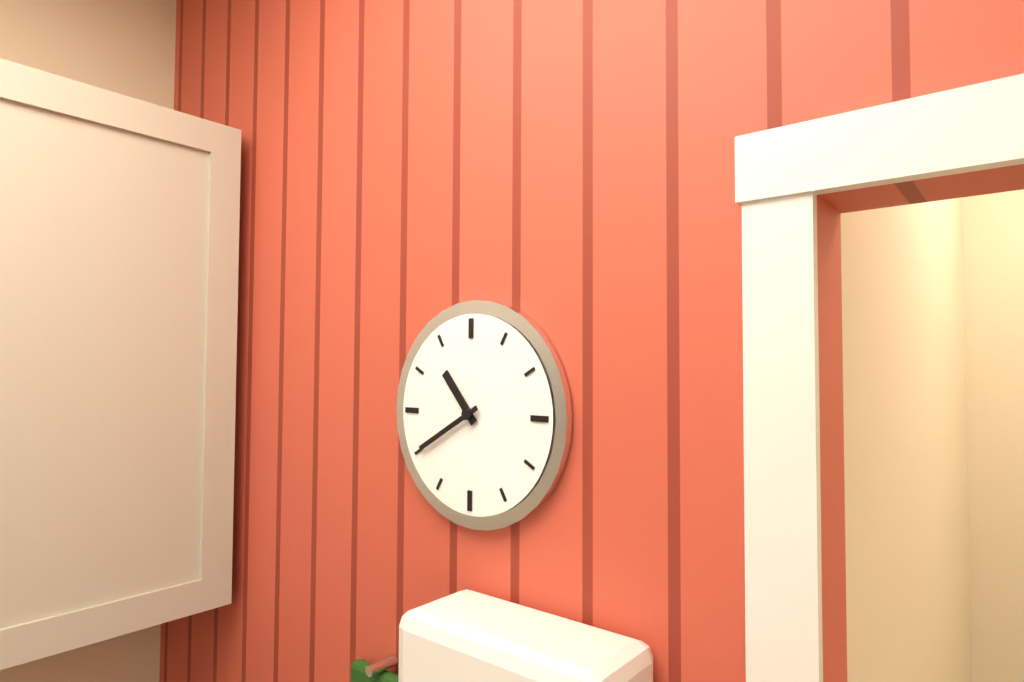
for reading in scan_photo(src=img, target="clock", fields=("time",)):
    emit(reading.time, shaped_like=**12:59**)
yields **10:40**
